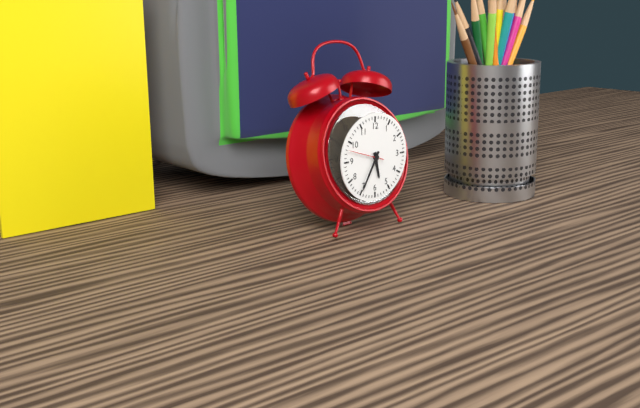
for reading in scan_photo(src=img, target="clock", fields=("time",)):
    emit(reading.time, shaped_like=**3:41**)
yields **5:35**
